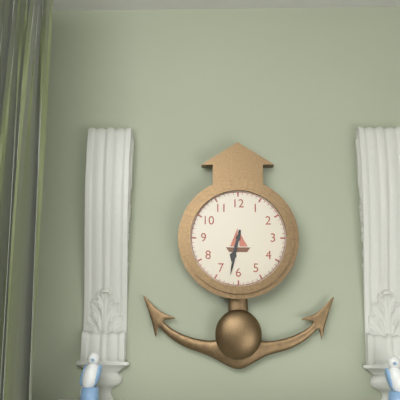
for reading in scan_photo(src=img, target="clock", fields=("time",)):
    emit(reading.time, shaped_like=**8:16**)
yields **6:32**
